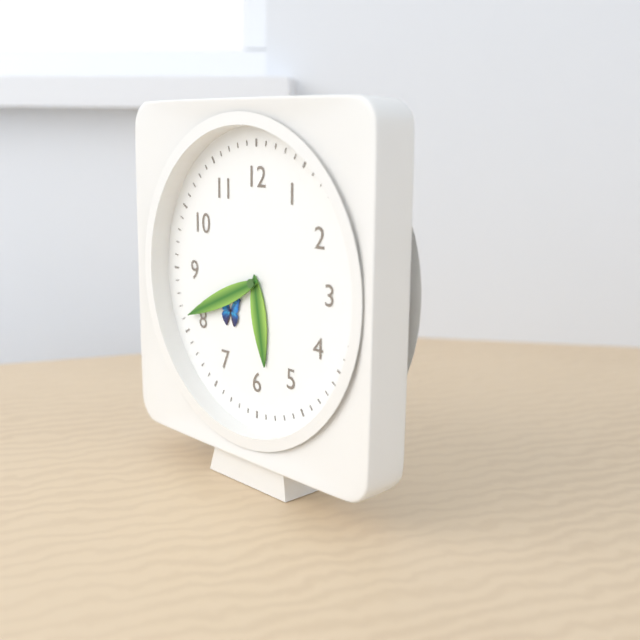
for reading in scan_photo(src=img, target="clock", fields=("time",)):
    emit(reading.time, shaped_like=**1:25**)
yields **5:41**
